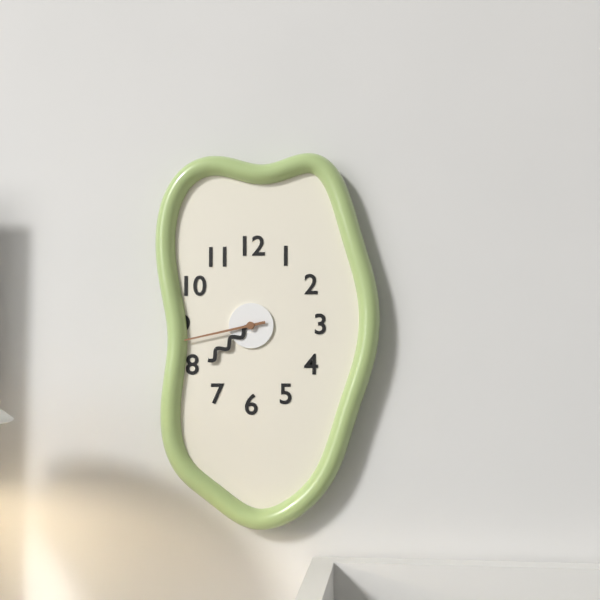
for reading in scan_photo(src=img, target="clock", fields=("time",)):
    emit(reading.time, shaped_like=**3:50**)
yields **7:43**
